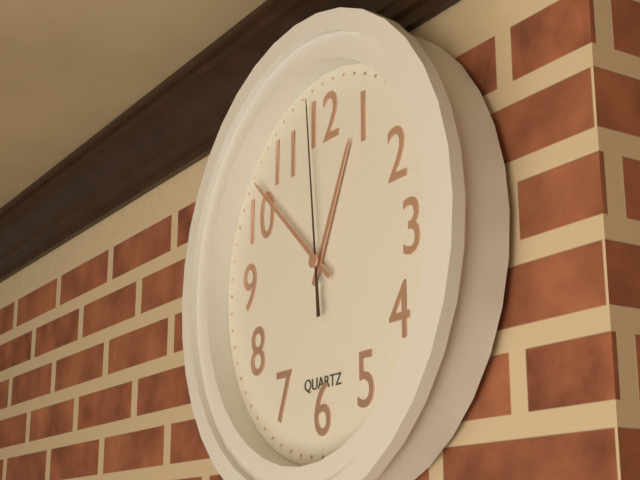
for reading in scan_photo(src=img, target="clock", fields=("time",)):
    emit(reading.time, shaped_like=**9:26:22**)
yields **12:52:59**
